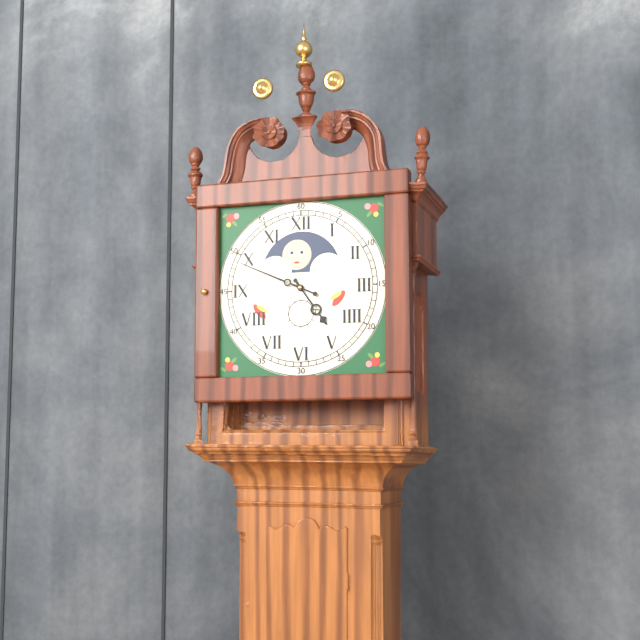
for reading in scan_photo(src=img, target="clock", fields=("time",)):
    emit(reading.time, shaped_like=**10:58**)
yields **4:49**
